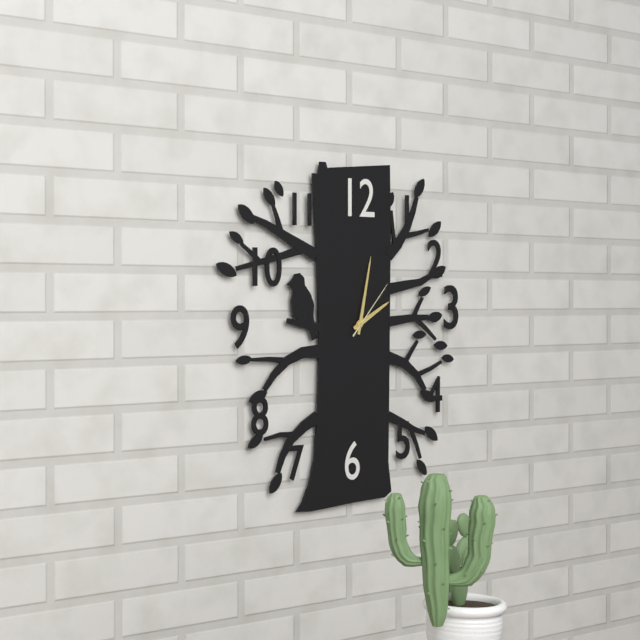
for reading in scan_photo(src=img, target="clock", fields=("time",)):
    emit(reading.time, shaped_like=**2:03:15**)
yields **2:02:07**
